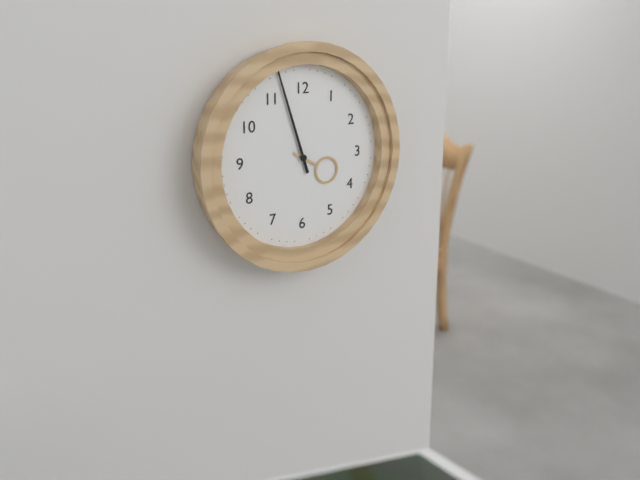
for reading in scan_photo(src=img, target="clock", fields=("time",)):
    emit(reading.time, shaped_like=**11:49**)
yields **3:57**
